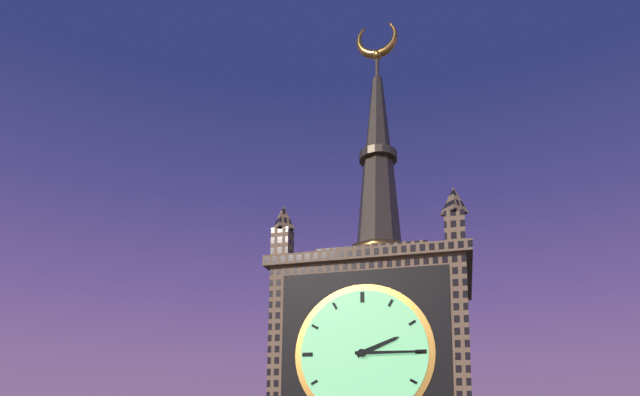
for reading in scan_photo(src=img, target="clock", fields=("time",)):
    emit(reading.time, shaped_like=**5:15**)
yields **2:15**
